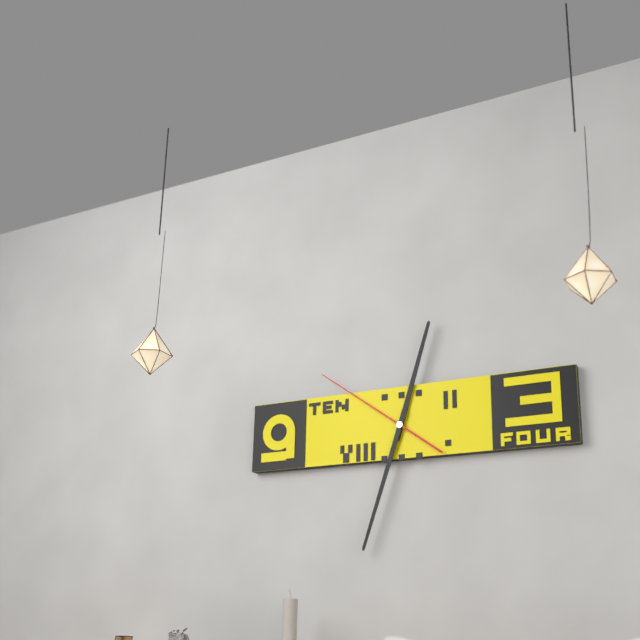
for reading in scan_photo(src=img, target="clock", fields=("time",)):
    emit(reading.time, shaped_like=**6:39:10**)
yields **12:33:51**
